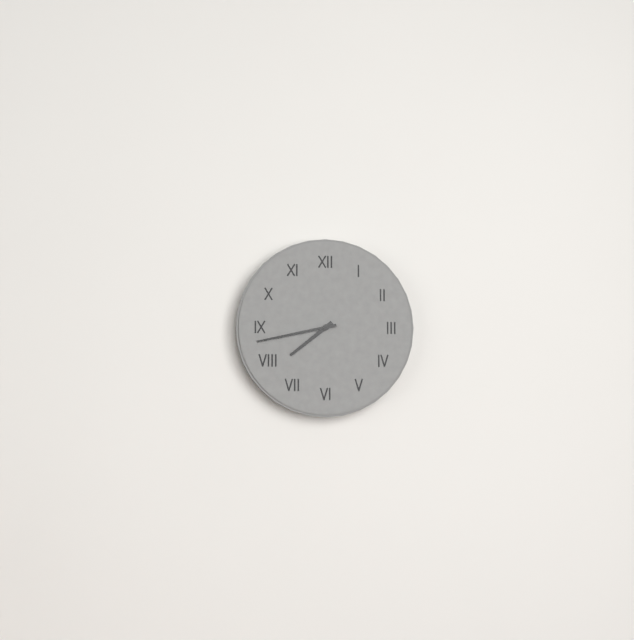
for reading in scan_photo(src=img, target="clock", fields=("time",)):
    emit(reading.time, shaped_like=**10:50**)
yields **7:43**
